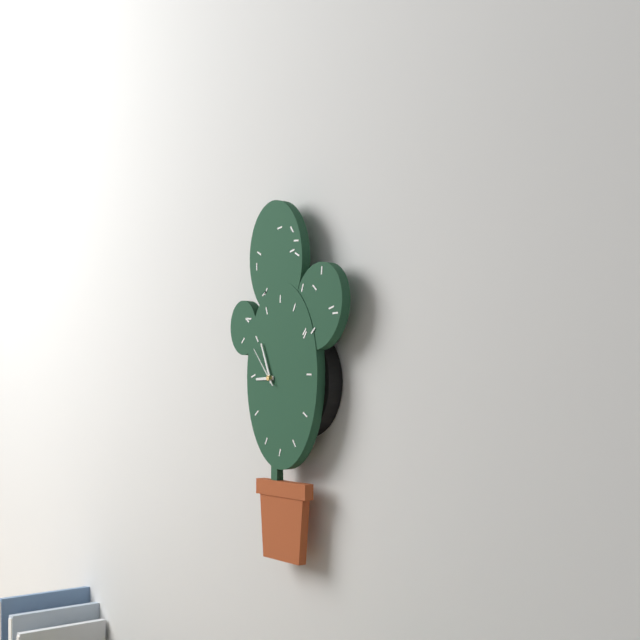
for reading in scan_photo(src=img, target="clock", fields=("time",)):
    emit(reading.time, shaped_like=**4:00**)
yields **8:56**
